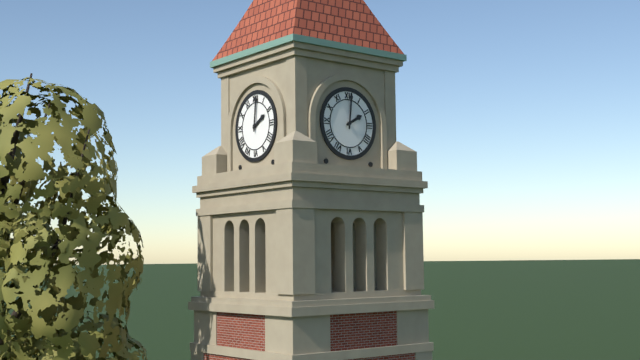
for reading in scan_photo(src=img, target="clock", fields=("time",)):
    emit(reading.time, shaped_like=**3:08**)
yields **2:01**
